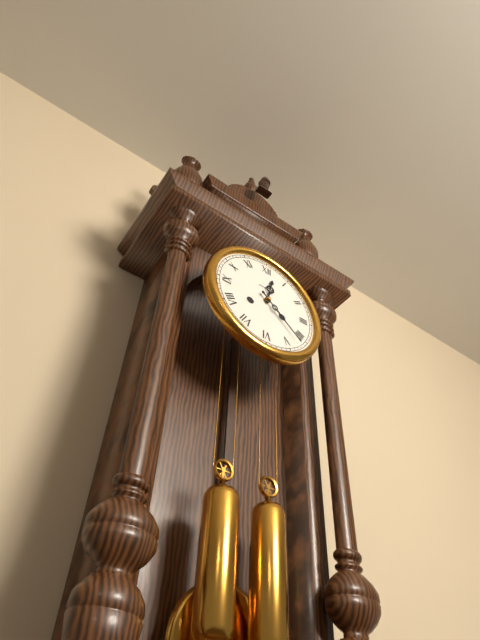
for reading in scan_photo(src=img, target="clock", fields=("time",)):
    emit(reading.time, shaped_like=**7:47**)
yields **12:22**
